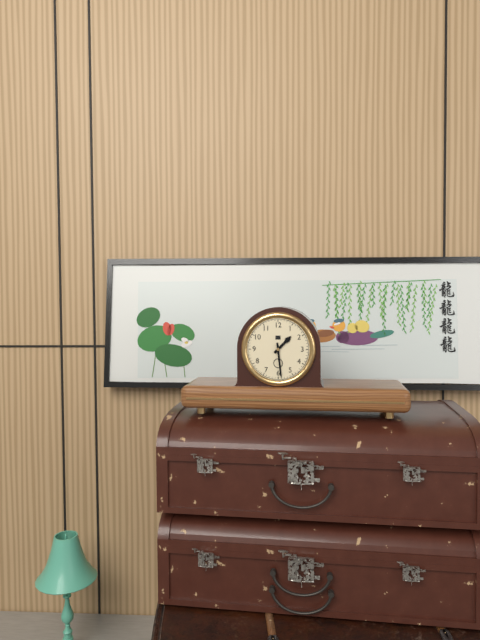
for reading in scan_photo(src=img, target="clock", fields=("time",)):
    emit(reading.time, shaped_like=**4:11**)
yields **1:29**
